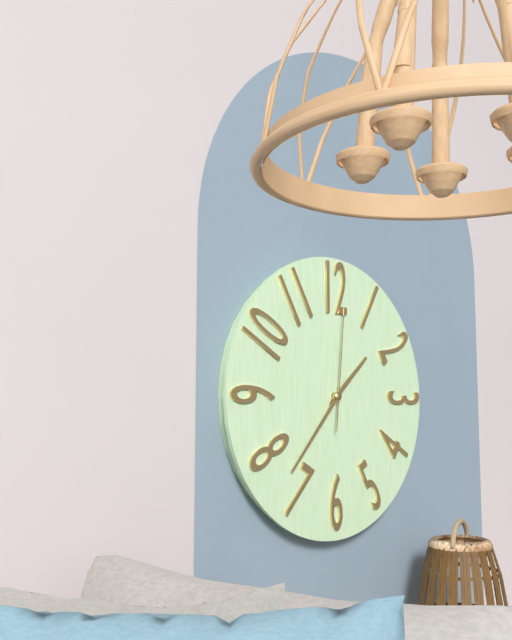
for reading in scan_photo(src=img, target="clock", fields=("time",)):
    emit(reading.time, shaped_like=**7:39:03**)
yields **1:37:01**
